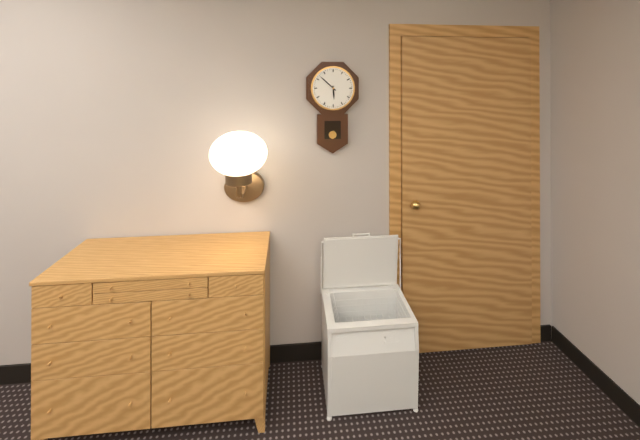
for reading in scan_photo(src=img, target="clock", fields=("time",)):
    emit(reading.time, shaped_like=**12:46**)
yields **5:52**
